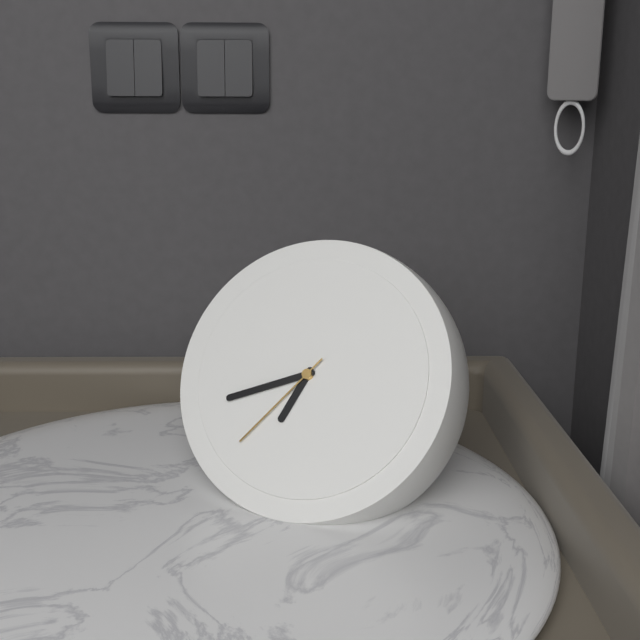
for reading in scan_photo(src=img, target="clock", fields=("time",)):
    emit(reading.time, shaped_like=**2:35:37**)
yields **6:41:36**
